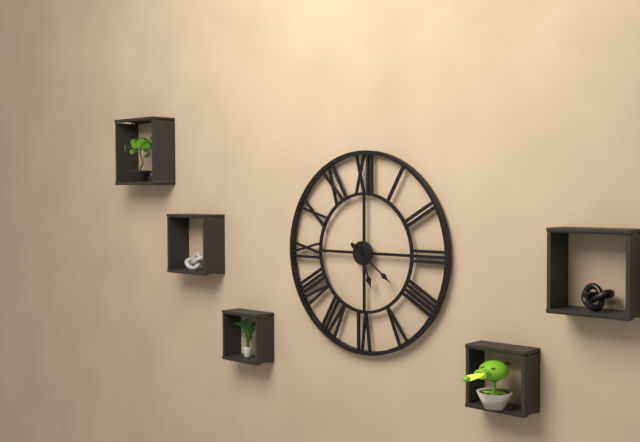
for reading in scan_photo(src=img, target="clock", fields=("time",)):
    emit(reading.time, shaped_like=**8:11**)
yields **5:21**
